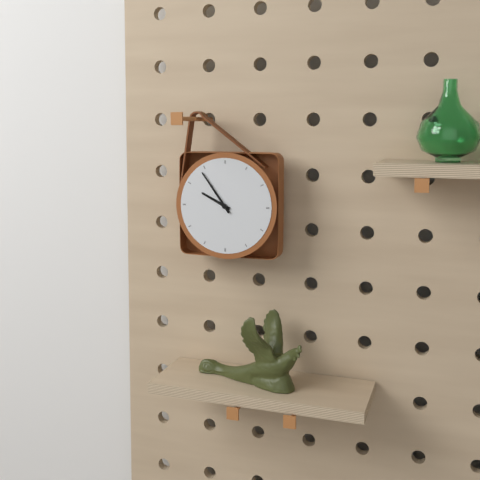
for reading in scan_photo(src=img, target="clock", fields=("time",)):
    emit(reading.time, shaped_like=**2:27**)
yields **9:54**
